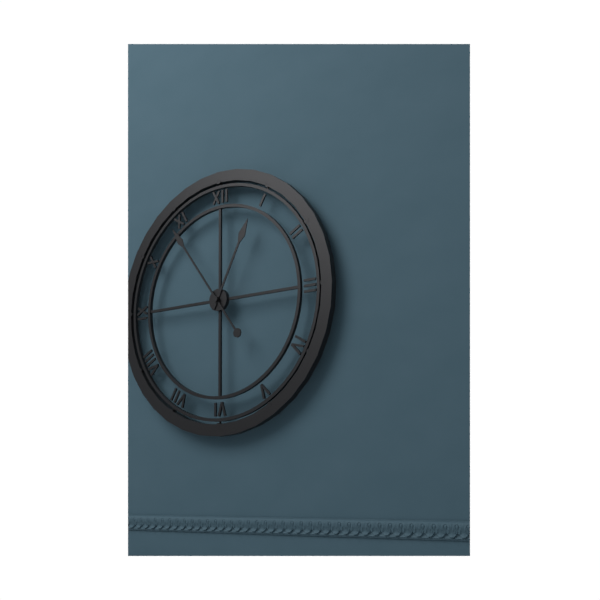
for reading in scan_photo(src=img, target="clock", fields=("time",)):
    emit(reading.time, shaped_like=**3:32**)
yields **12:54**
